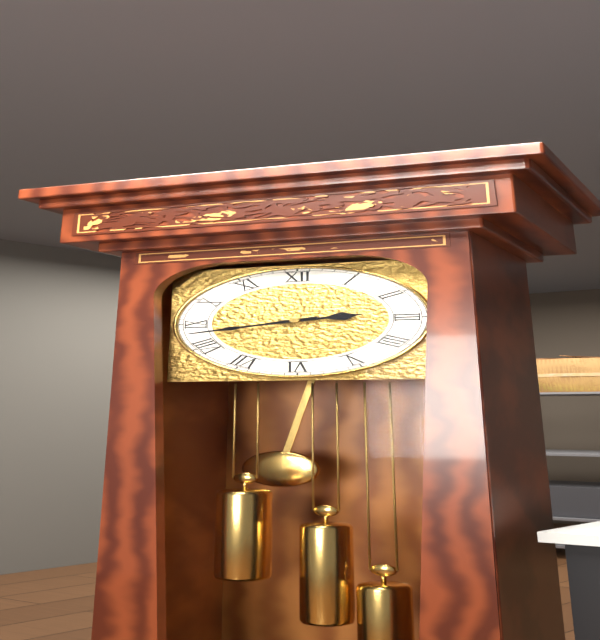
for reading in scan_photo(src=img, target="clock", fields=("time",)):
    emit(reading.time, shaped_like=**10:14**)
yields **2:43**
